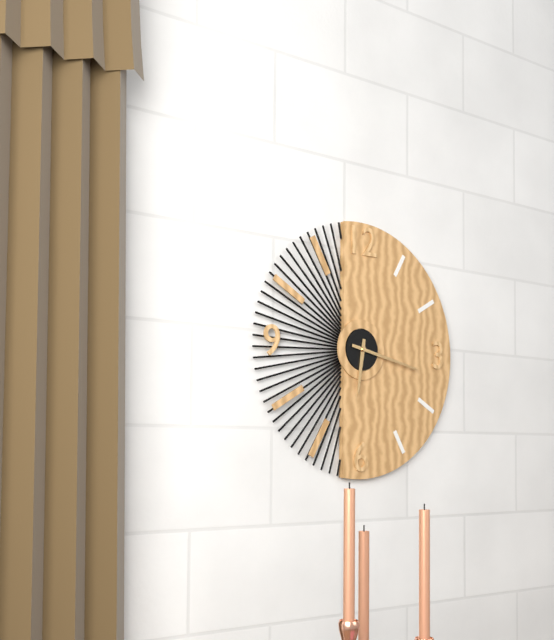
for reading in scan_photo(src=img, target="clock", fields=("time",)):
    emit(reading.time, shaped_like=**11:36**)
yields **6:17**
